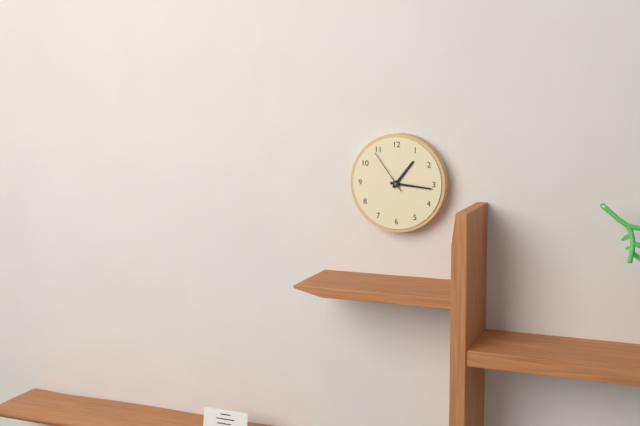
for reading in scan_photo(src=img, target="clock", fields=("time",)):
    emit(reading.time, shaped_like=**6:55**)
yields **1:16**
